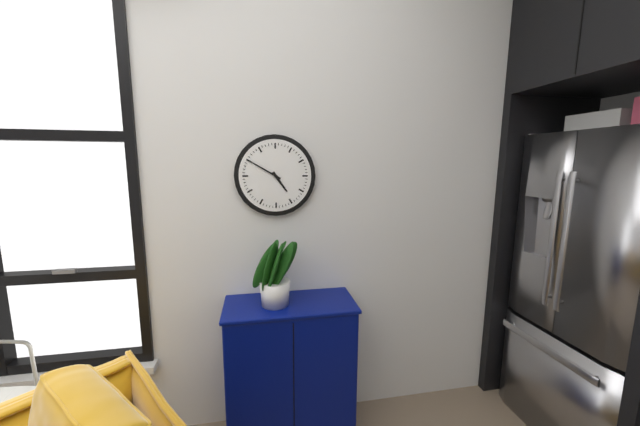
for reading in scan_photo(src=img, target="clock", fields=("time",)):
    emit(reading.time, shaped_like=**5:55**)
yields **4:50**
